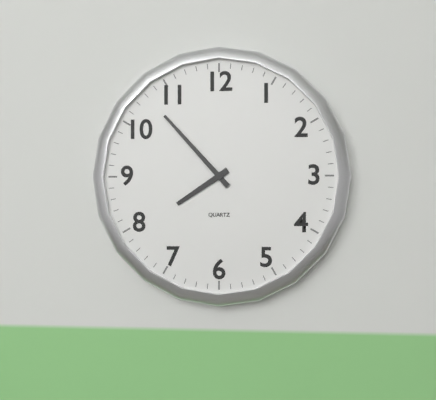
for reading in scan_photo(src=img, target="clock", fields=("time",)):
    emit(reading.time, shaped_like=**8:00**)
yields **7:53**
